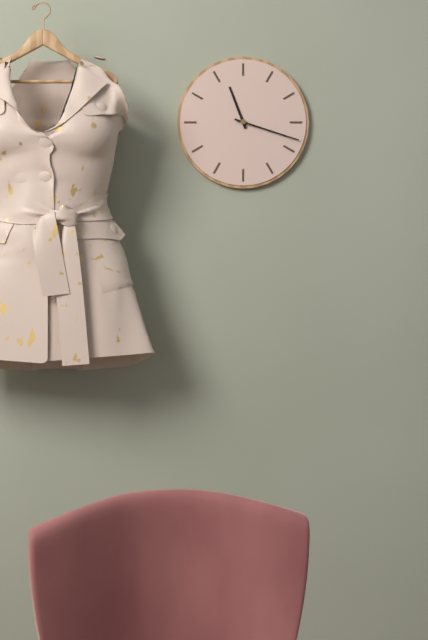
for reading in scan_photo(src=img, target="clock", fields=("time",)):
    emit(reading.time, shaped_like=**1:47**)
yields **11:18**
